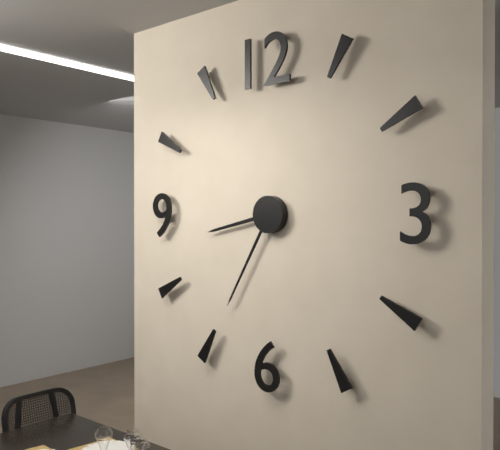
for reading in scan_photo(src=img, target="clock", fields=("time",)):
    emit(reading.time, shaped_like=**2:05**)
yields **8:35**
